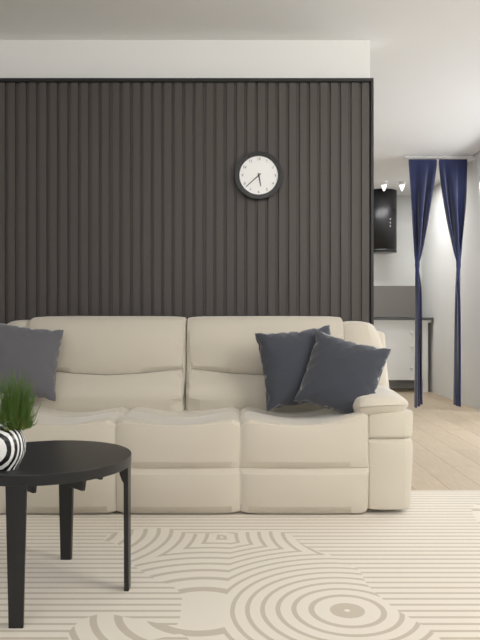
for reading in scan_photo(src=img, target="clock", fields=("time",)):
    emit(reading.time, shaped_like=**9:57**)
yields **5:38**
